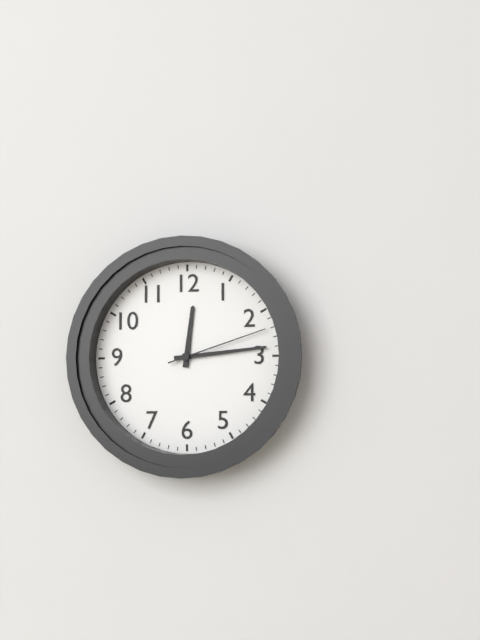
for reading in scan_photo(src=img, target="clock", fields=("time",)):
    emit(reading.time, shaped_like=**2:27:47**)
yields **12:14:12**
